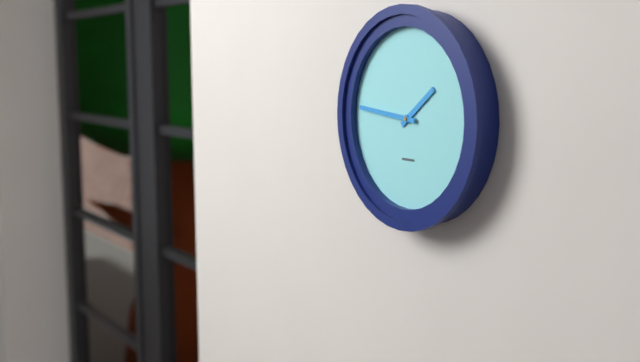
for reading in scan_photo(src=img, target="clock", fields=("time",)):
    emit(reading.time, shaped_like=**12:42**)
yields **1:46**
